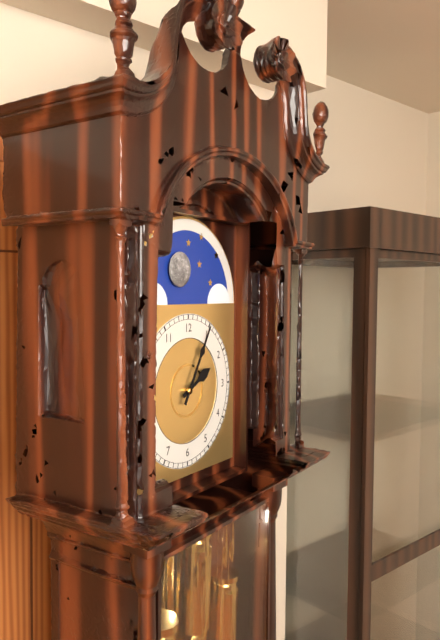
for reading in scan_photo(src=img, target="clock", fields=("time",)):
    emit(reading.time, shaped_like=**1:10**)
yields **2:05**
